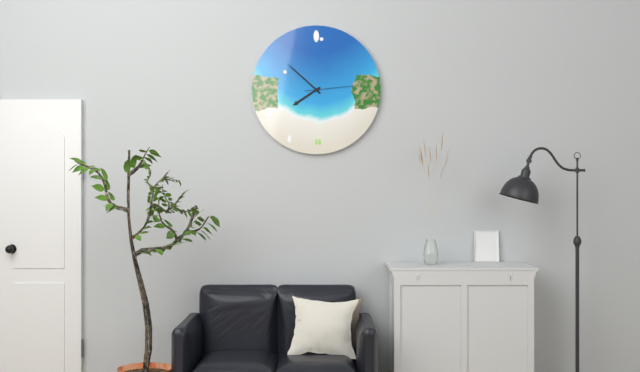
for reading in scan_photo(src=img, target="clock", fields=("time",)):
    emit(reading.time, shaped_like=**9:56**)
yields **7:52**
